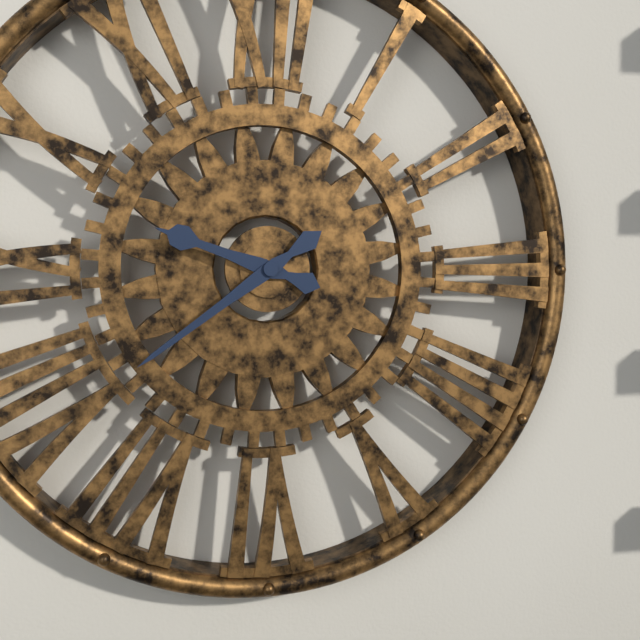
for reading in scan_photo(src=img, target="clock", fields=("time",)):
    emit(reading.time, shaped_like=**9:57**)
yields **9:39**
